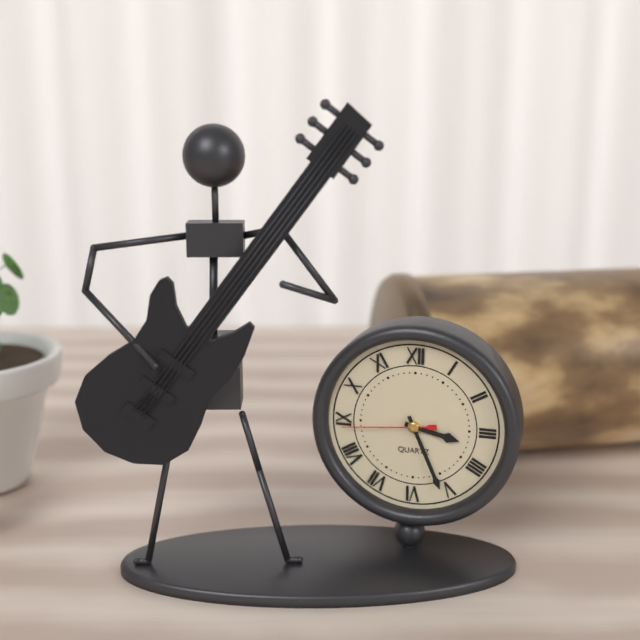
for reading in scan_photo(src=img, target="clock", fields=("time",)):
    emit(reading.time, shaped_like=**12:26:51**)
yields **3:26:44**
